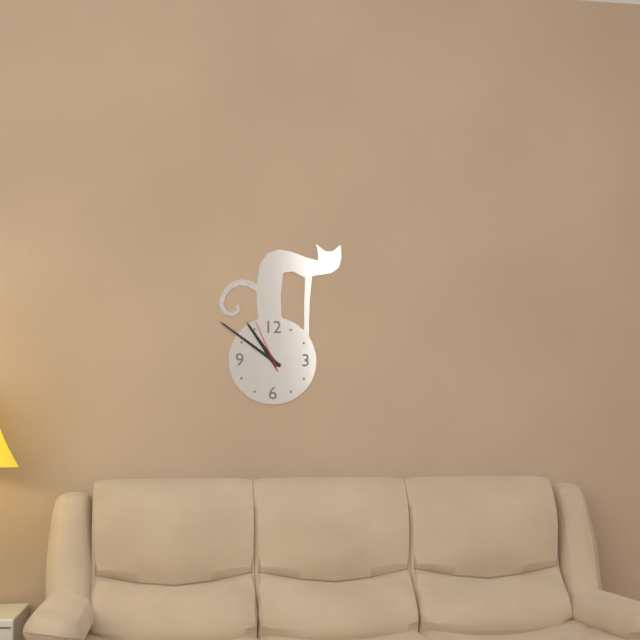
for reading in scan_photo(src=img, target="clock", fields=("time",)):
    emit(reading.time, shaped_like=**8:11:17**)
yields **10:51:56**
